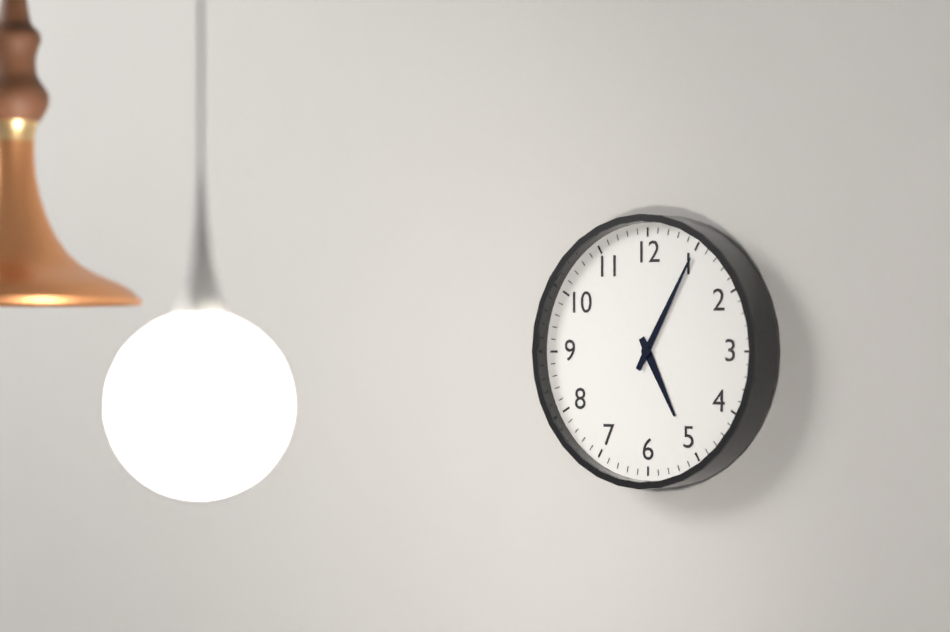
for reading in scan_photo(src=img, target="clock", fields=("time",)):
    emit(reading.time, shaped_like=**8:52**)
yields **5:05**
